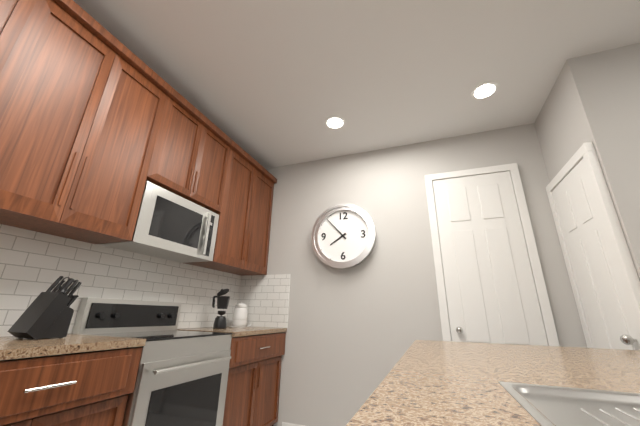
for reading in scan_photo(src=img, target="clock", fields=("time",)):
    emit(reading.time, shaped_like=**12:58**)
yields **7:53**
